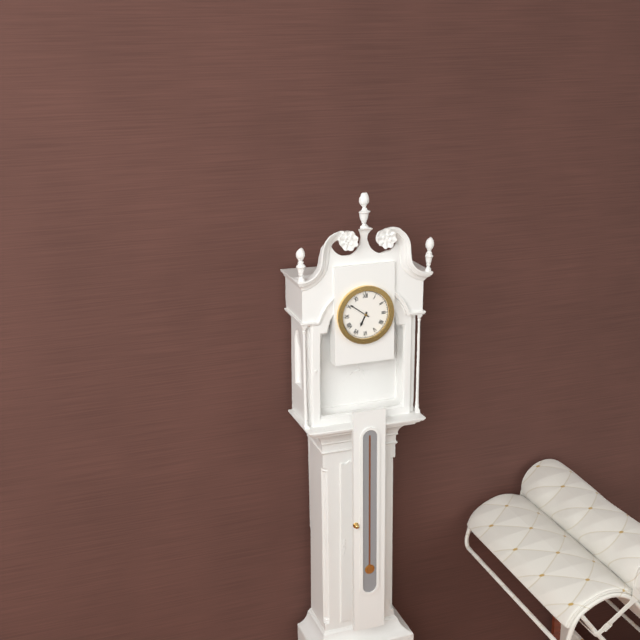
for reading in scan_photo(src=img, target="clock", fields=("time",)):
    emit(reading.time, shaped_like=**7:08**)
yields **6:51**
